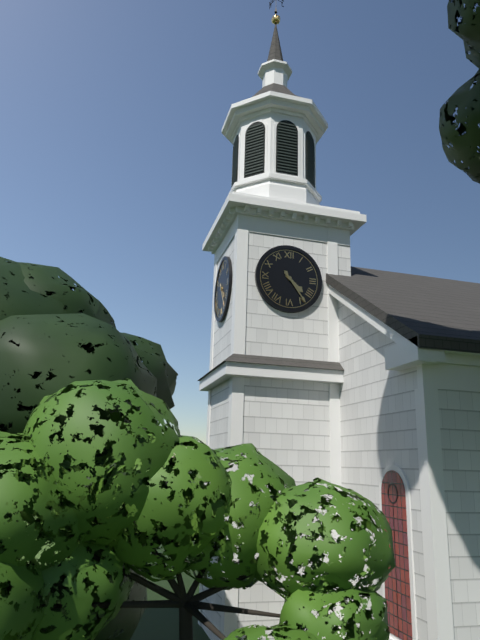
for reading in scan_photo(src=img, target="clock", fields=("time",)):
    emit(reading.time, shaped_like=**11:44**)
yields **4:24**
